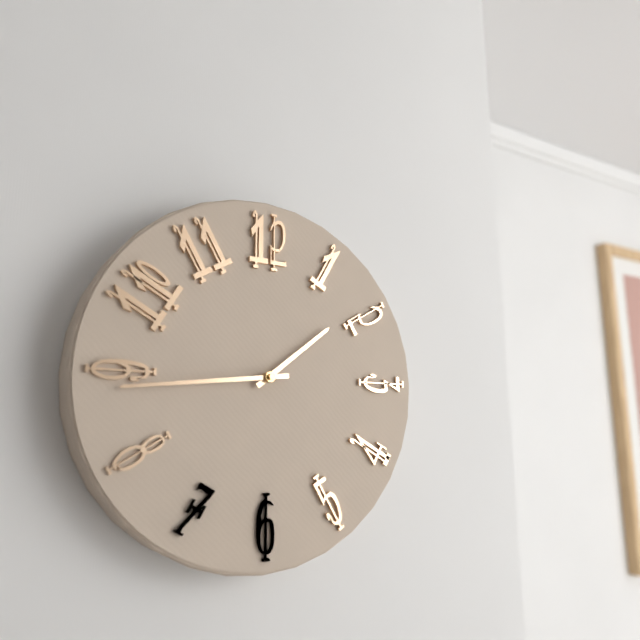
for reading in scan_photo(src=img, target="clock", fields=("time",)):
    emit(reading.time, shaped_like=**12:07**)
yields **1:44**
